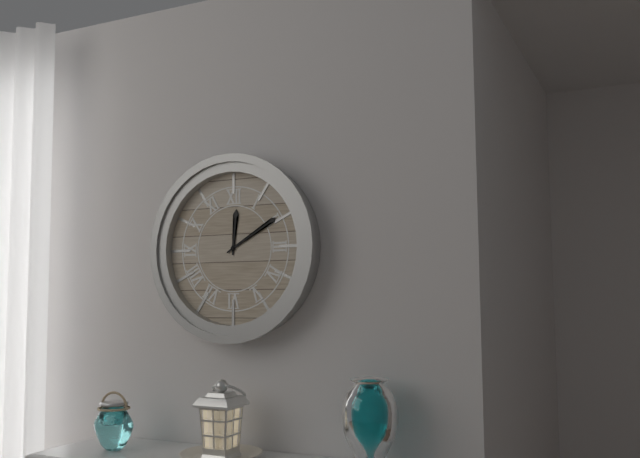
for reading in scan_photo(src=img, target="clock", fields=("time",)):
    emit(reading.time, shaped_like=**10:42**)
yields **12:10**
